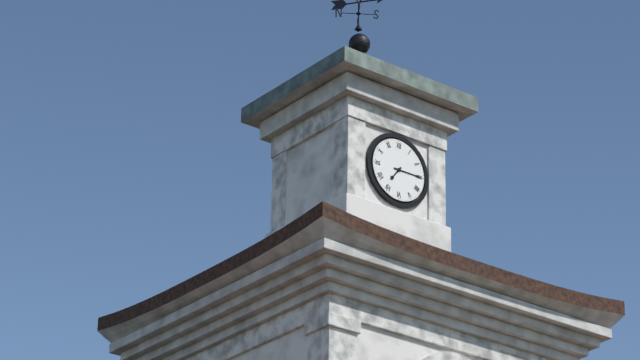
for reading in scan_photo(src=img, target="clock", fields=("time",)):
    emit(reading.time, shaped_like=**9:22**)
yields **7:15**
